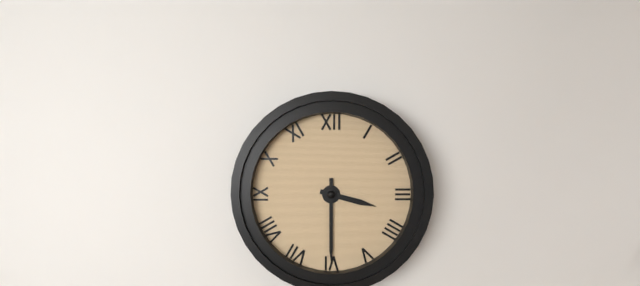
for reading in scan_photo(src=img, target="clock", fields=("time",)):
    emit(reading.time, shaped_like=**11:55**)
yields **3:30**
